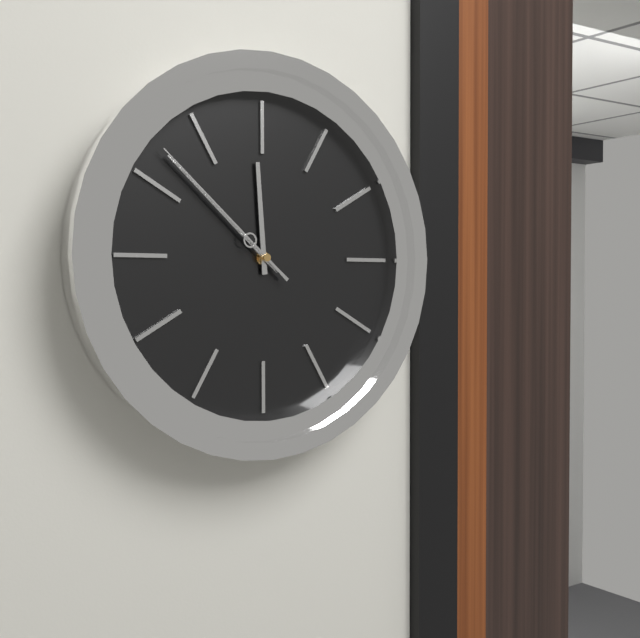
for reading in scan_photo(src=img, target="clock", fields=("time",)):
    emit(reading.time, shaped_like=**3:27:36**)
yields **11:52:52**
